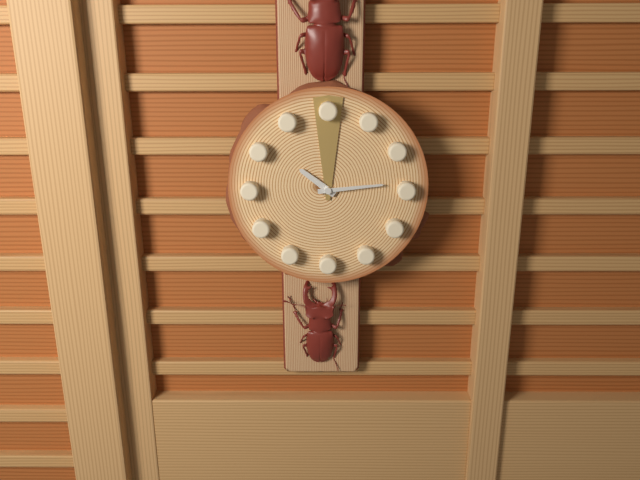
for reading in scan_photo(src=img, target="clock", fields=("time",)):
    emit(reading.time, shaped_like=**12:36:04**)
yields **10:14:00**
